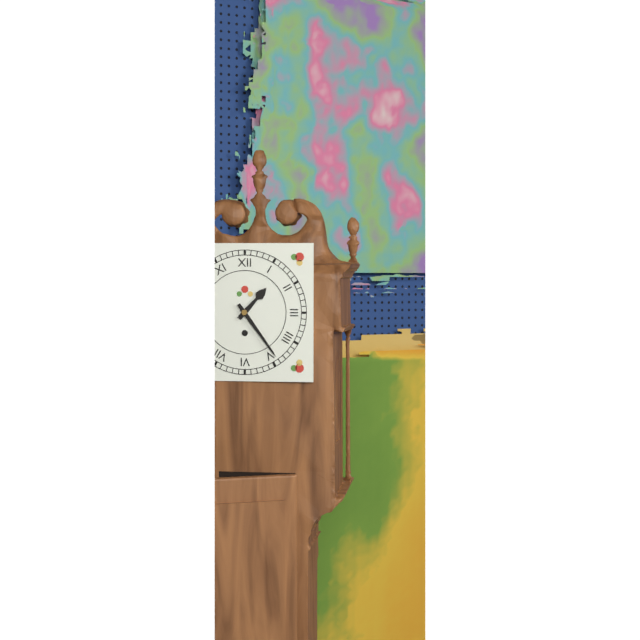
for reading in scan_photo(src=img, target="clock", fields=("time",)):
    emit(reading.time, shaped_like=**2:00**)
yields **1:24**
